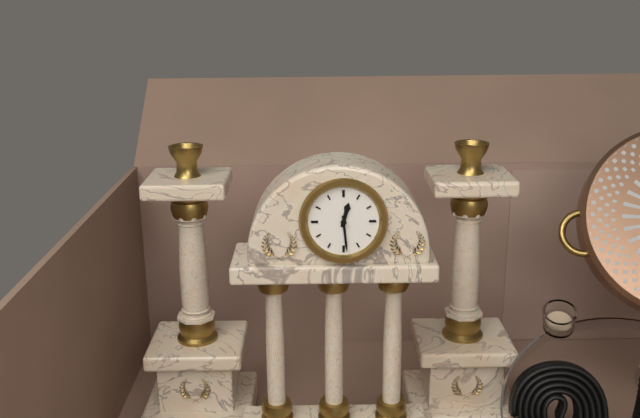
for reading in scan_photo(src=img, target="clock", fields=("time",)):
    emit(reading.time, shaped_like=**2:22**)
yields **12:29**
